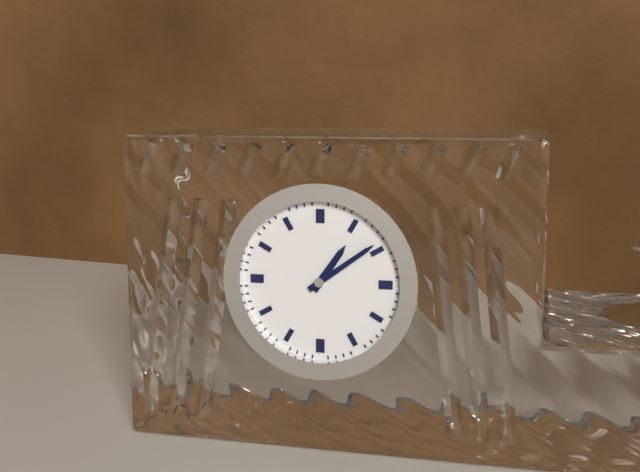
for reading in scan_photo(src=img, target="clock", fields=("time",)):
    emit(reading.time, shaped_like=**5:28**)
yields **1:09**
